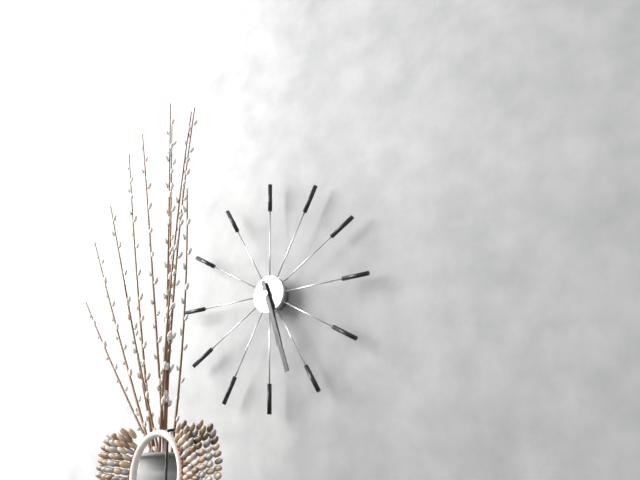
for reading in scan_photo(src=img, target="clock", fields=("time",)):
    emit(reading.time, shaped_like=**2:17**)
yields **5:27**
